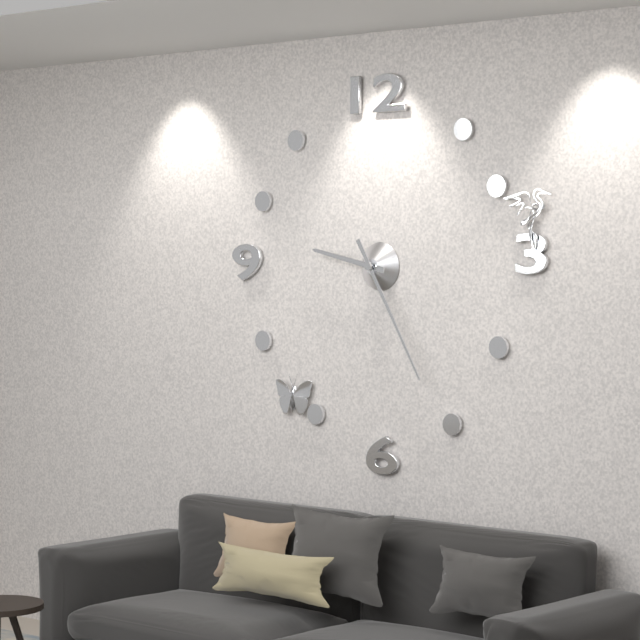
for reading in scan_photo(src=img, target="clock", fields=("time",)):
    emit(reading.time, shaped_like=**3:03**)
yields **9:25**
